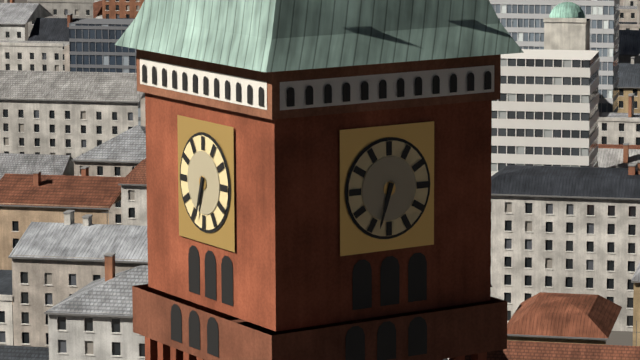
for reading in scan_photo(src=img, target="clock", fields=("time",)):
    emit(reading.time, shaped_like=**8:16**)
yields **6:33**
